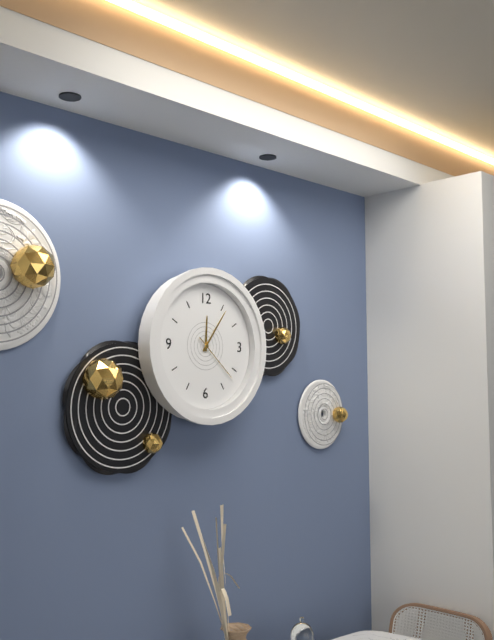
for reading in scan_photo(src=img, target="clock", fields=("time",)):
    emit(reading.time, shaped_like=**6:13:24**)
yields **12:06:22**
